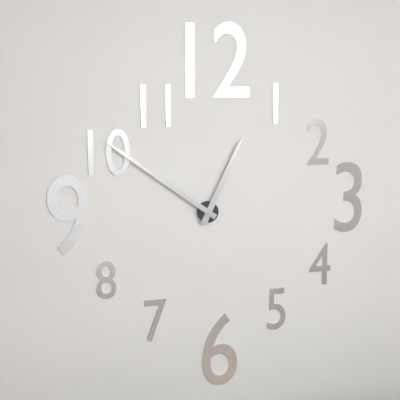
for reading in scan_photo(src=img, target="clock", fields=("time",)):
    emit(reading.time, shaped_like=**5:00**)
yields **12:51**
